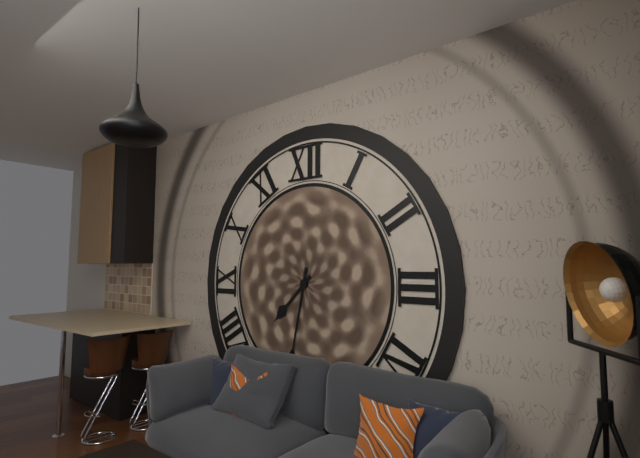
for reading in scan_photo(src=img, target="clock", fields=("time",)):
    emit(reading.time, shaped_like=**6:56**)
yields **7:32**
